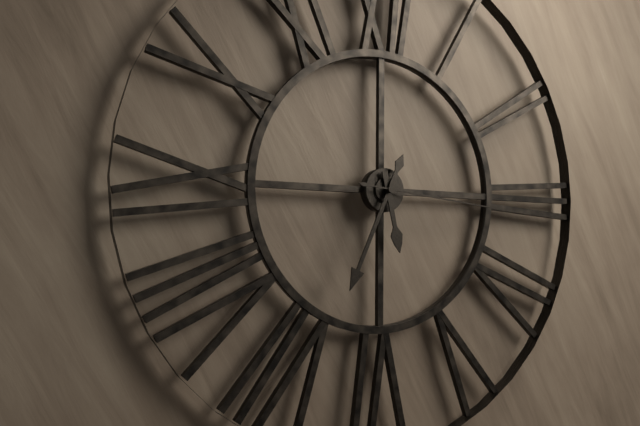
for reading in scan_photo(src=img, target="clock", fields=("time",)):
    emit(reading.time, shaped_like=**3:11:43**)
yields **5:34:16**
